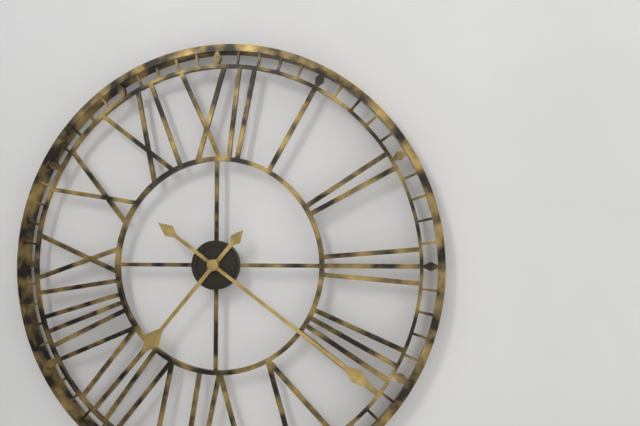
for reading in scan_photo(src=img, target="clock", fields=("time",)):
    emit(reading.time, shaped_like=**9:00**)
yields **7:21**
